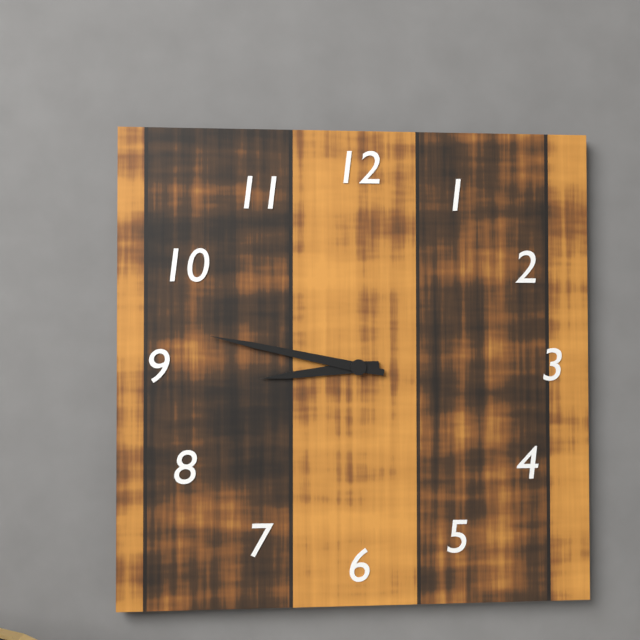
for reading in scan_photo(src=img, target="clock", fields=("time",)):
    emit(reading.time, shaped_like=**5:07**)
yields **8:47**
